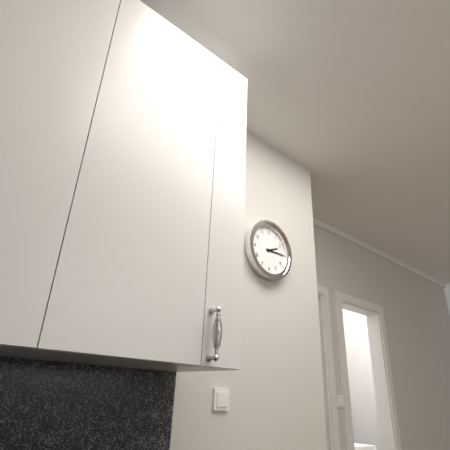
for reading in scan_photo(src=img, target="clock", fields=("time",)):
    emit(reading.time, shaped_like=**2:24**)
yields **2:15**
